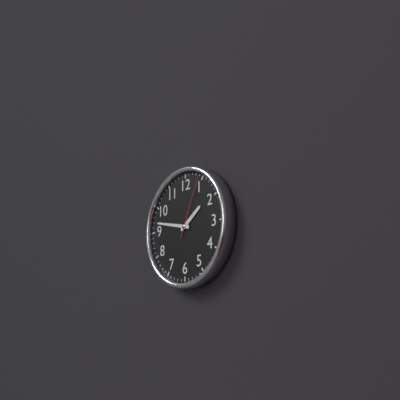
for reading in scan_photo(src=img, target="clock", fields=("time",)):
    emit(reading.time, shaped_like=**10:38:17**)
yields **1:47:04**
